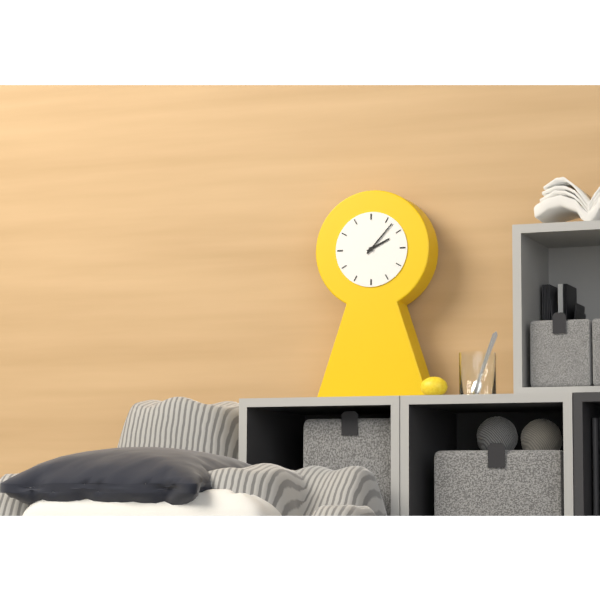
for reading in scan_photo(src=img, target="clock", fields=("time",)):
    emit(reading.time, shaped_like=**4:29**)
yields **2:07**
